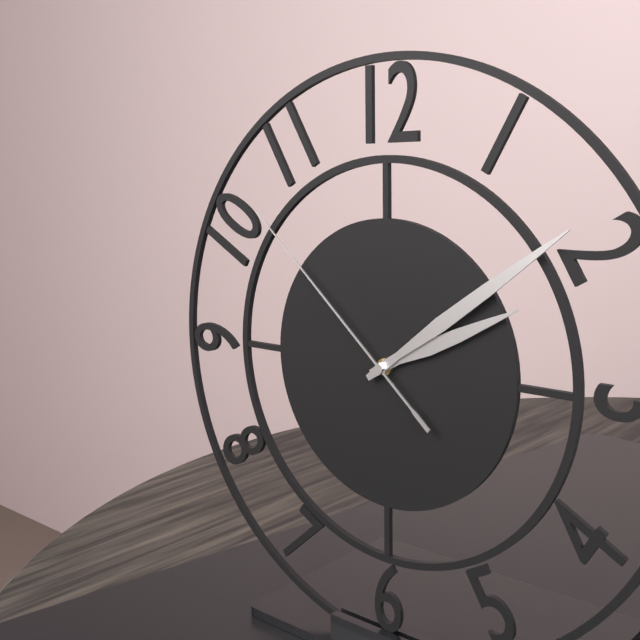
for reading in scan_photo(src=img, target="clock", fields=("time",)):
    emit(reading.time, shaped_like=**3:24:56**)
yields **2:09:52**
